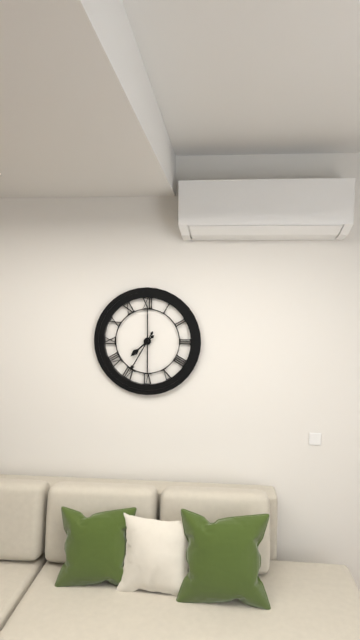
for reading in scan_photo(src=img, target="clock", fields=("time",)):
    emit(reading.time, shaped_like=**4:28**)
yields **7:35**
